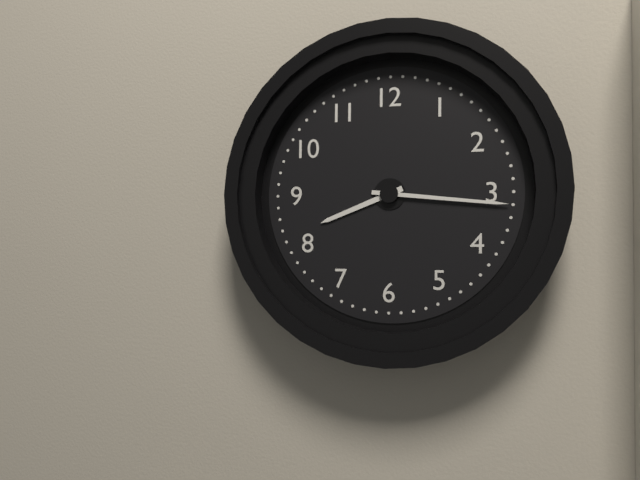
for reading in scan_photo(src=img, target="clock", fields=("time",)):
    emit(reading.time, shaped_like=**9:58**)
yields **8:16**
